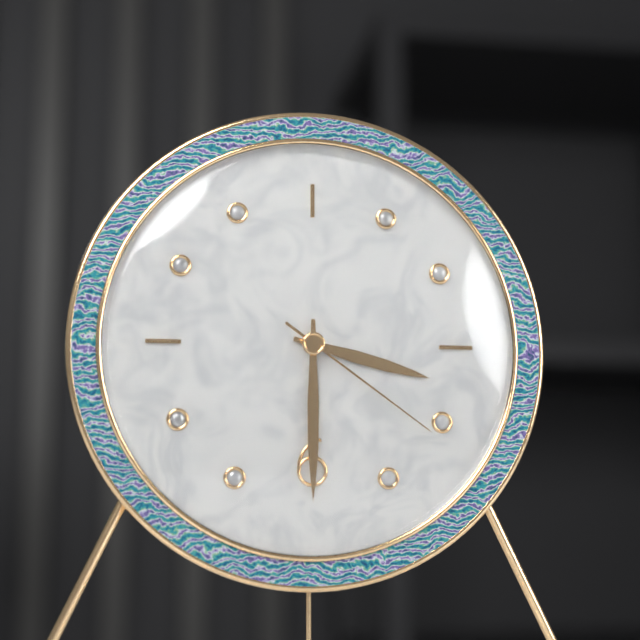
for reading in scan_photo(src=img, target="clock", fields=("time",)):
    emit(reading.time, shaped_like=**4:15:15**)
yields **3:30:21**
